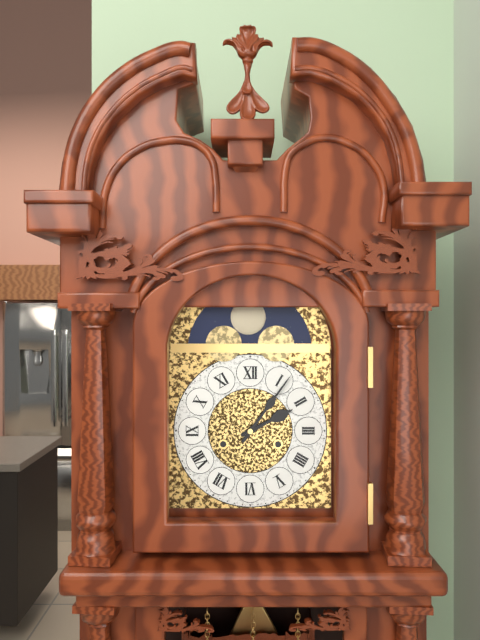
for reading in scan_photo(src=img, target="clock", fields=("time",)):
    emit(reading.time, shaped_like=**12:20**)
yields **2:06**
